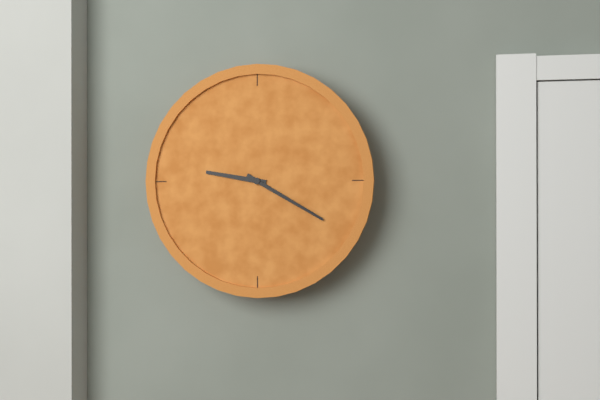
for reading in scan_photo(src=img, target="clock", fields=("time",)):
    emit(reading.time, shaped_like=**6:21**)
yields **9:20**
